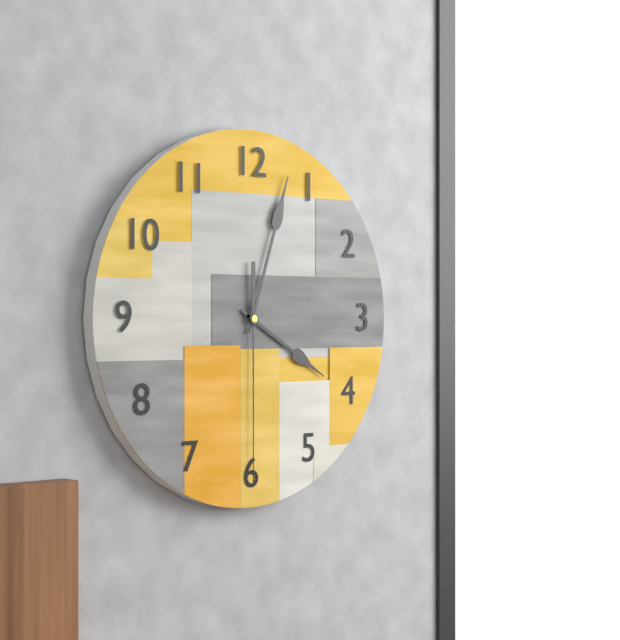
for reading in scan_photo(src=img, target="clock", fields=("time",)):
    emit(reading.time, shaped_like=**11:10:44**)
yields **4:03:30**
